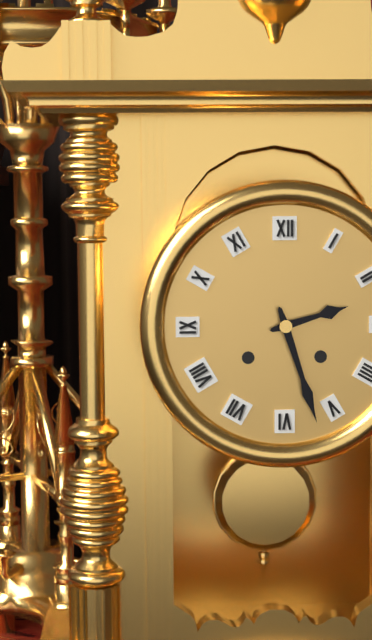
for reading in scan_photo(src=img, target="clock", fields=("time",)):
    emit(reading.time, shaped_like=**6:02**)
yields **2:27**
